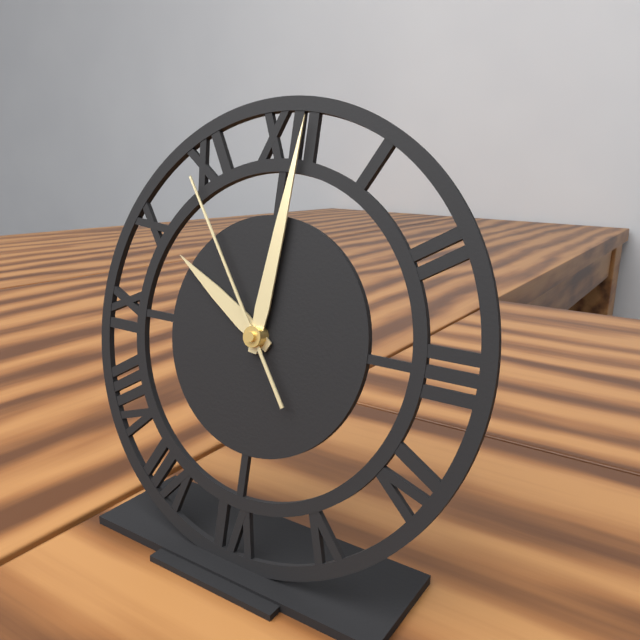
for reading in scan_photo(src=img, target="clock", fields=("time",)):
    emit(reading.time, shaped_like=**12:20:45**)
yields **10:01:54**
